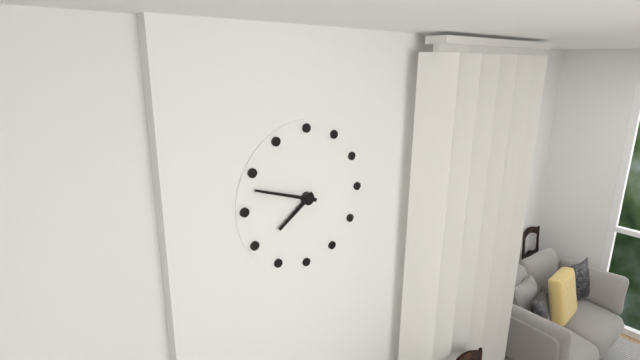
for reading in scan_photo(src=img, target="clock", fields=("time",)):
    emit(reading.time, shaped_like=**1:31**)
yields **7:48**
